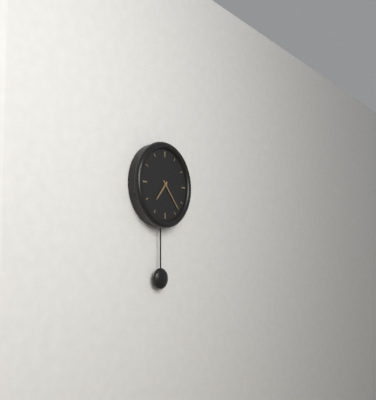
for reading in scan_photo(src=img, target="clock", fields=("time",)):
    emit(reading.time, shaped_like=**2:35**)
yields **7:23**
